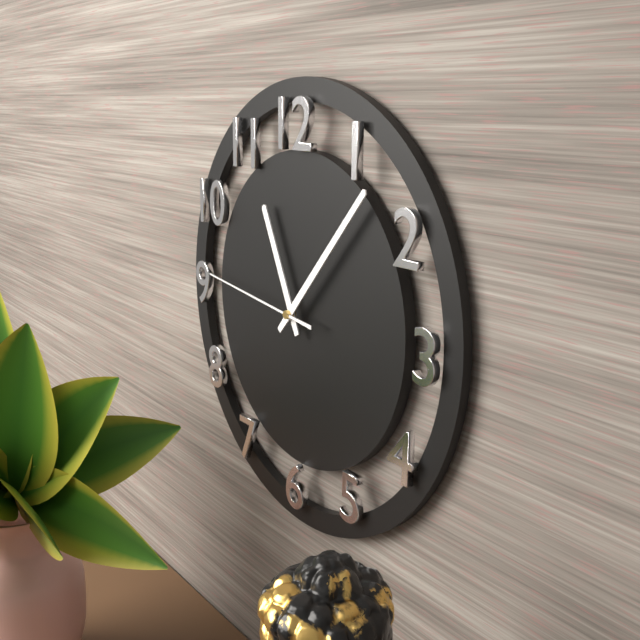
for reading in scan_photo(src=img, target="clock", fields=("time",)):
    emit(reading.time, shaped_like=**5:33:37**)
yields **11:07:46**
